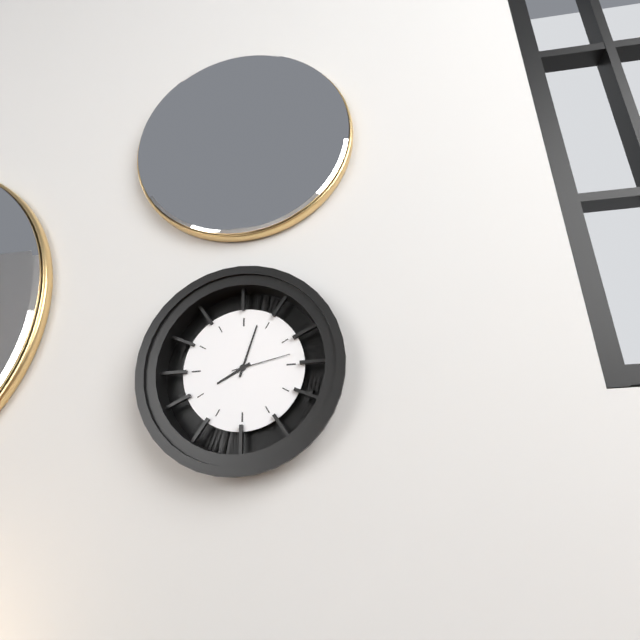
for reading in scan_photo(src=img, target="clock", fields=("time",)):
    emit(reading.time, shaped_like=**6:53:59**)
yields **8:03:13**
